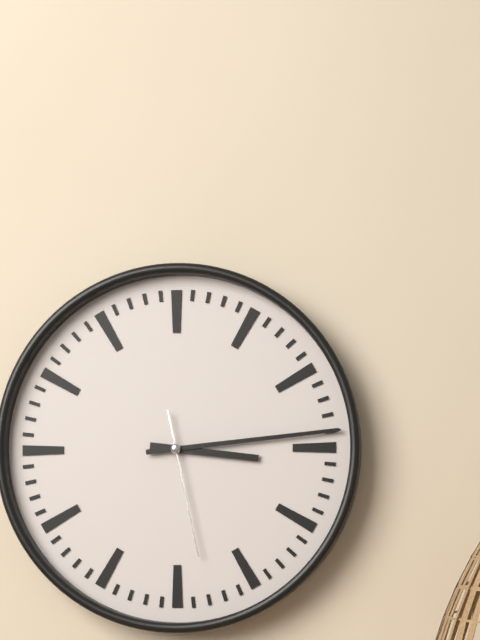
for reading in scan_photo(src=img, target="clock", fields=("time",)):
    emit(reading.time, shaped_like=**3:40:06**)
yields **3:14:28**
